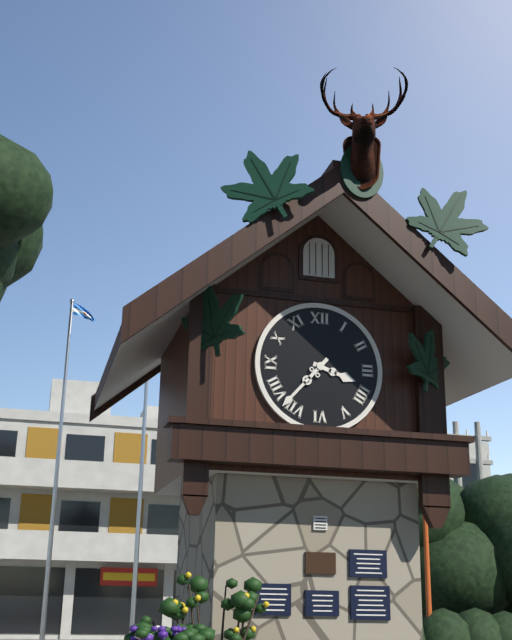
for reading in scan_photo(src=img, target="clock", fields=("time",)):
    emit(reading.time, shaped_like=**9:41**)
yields **3:37**
